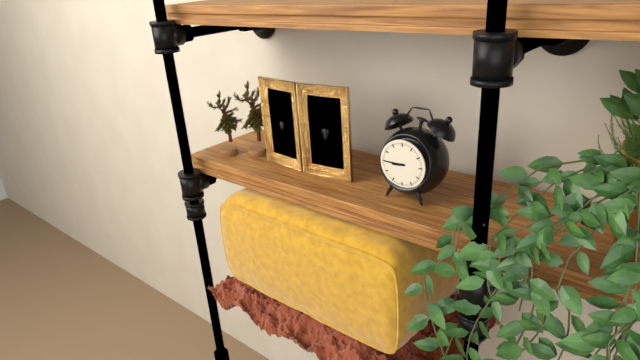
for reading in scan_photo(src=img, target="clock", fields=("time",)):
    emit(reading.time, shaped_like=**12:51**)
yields **8:45**
